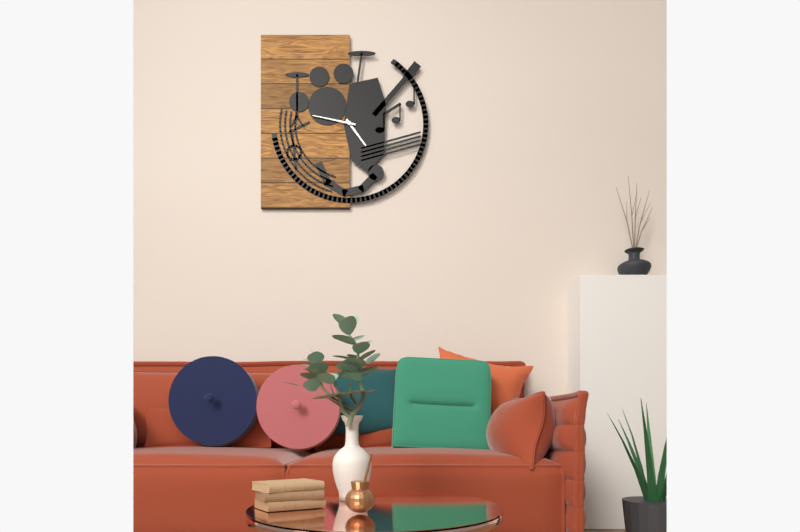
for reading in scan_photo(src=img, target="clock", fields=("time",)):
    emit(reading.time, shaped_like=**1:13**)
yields **4:47**
